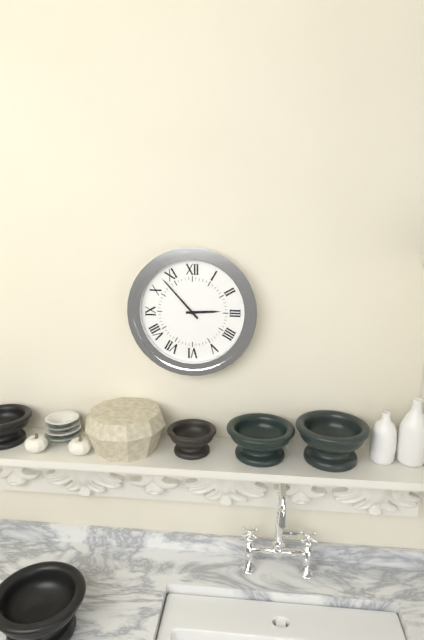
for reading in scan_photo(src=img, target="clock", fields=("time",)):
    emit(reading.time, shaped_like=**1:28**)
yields **2:53**
